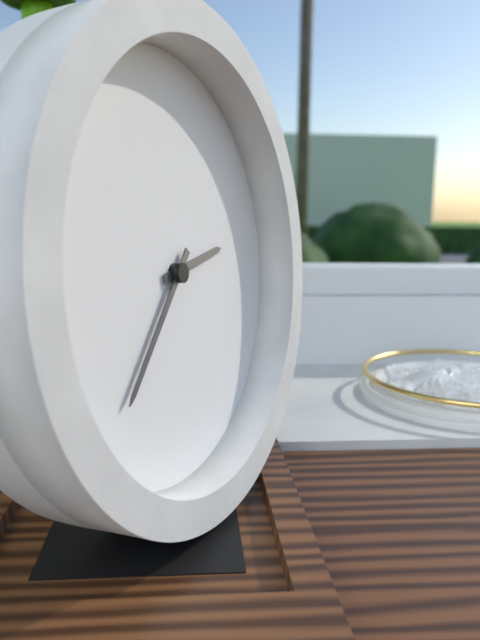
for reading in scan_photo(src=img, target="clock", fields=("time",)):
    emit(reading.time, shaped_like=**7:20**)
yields **2:37**
